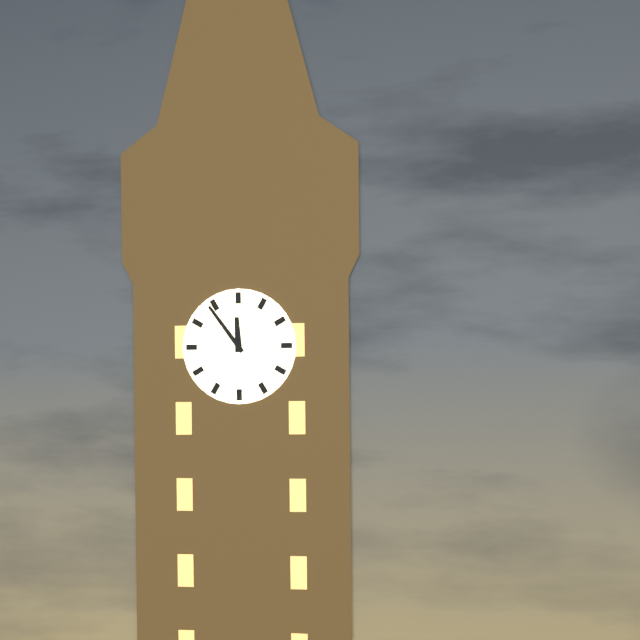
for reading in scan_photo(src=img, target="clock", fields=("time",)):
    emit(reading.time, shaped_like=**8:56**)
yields **11:54**
